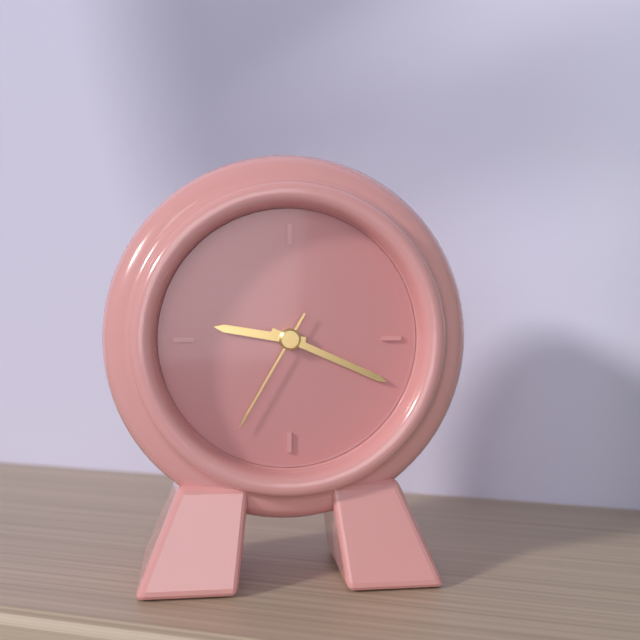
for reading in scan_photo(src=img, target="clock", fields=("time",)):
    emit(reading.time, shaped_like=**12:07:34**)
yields **9:19:35**
